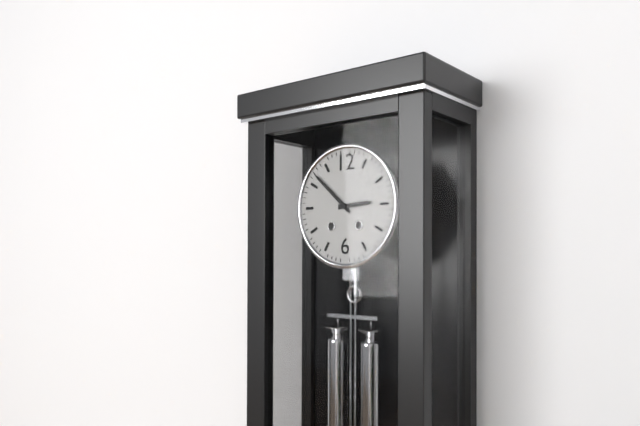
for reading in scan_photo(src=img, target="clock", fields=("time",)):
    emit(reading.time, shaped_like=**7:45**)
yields **2:52**
